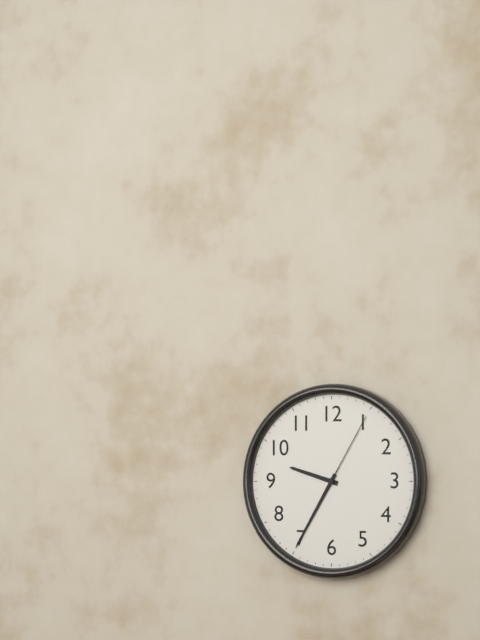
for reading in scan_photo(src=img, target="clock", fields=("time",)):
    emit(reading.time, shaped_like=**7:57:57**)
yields **9:35:05**
